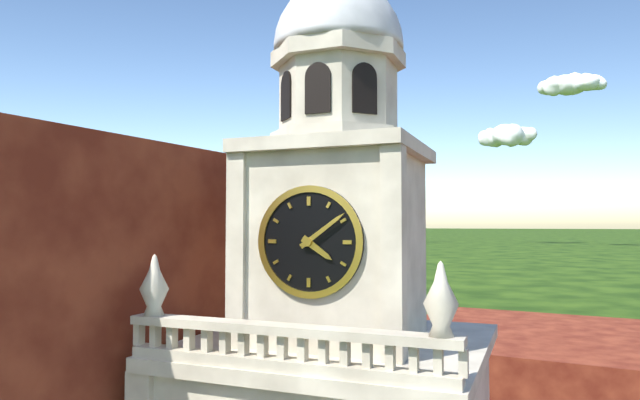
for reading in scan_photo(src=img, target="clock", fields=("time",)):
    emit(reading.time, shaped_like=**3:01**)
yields **4:09**
